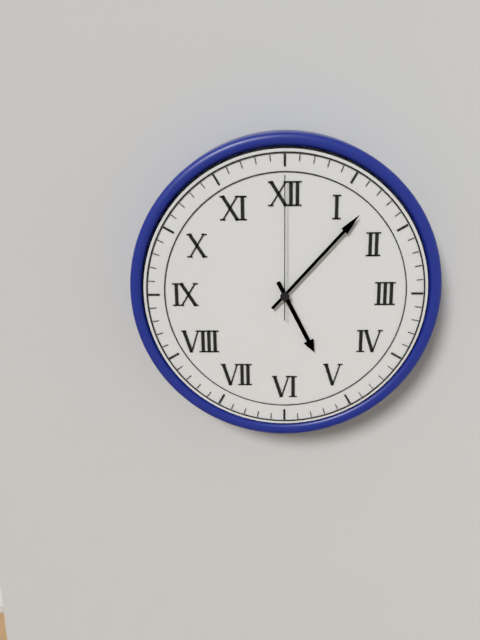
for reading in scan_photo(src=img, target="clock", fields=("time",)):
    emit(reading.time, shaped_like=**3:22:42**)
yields **5:07:00**
